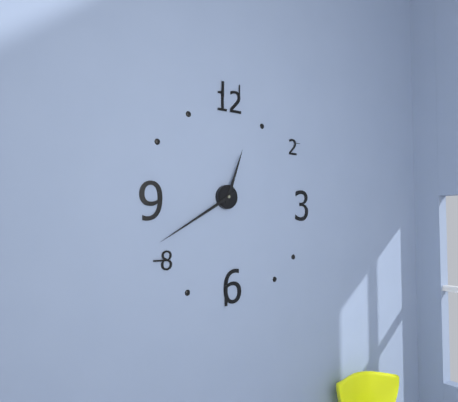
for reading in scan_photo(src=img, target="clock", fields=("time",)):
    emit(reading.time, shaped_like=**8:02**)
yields **12:40**
